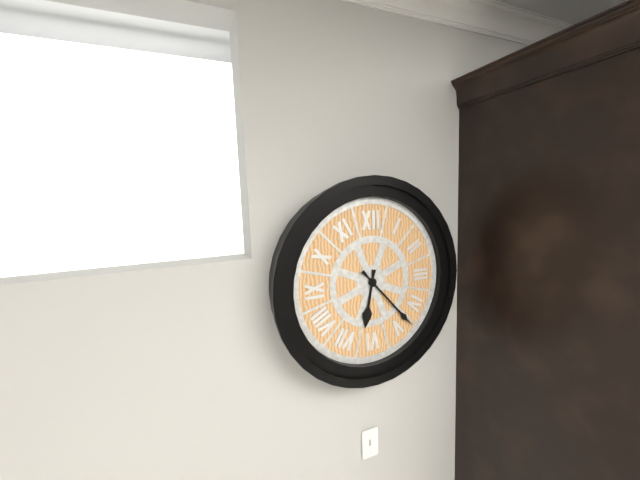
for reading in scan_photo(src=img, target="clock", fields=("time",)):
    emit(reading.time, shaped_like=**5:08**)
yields **6:23**
